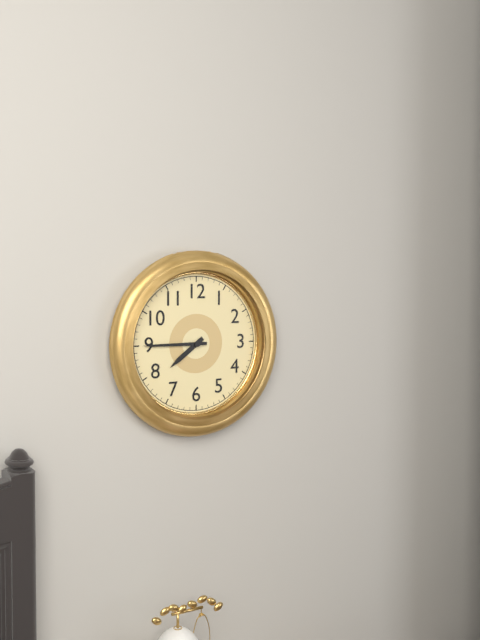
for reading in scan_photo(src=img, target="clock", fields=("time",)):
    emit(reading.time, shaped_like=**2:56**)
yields **7:45**
